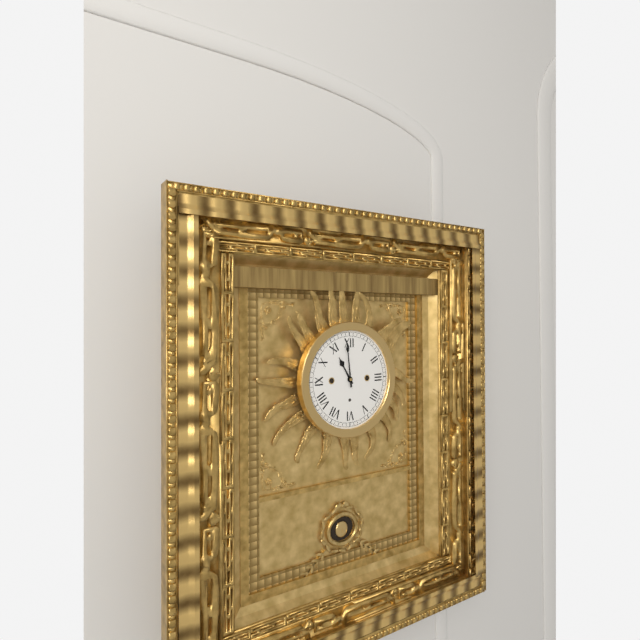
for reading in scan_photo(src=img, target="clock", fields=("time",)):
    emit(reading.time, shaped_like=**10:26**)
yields **10:59**
